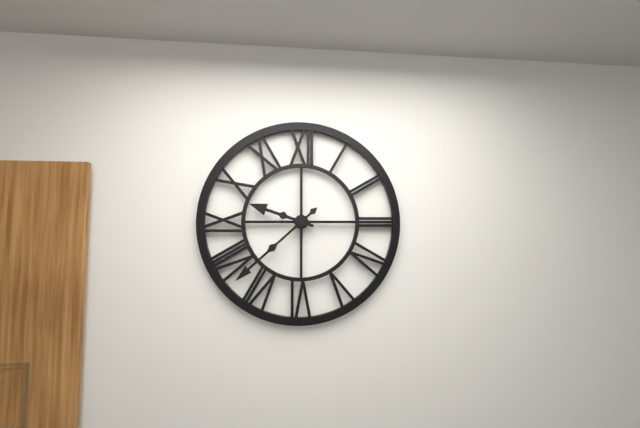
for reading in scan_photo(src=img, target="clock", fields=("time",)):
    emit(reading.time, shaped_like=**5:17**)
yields **9:38**
